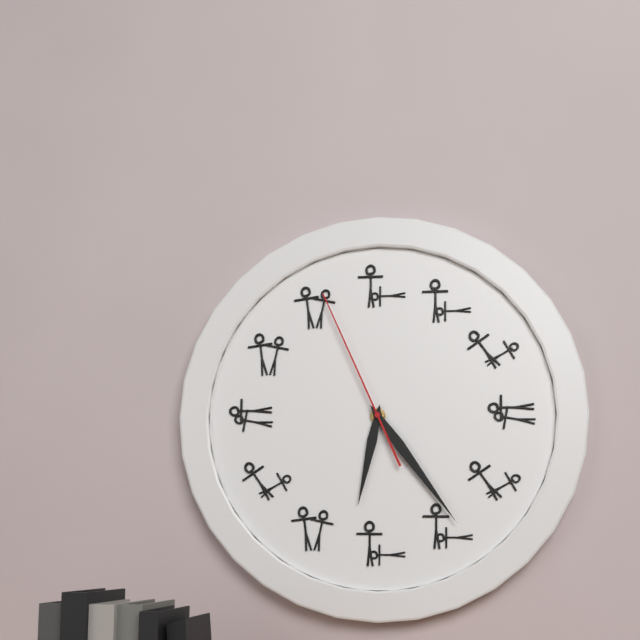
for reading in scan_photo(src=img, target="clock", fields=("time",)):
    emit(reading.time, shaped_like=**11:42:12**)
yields **6:24:56**
